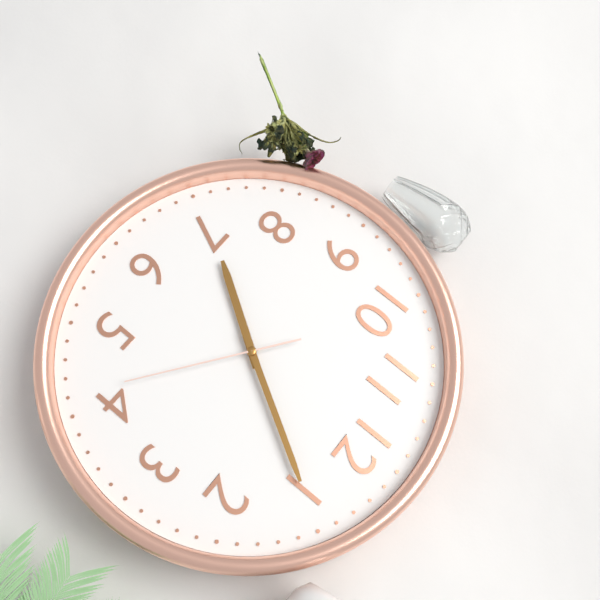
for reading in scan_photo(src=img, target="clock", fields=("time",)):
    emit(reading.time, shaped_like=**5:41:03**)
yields **7:05:21**
